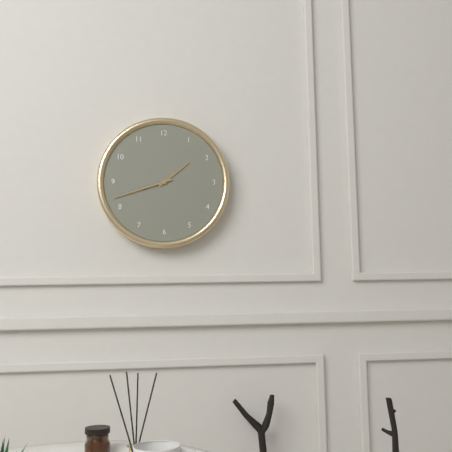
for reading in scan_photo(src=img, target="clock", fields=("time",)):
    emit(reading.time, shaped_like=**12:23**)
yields **1:42**
